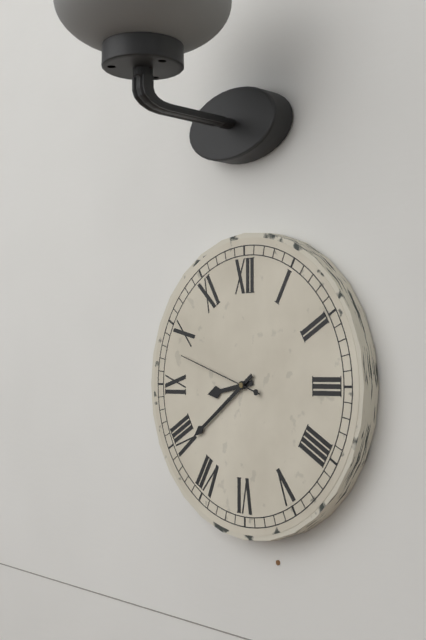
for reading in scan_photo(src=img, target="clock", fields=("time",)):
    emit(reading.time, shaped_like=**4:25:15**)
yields **8:39:48**
